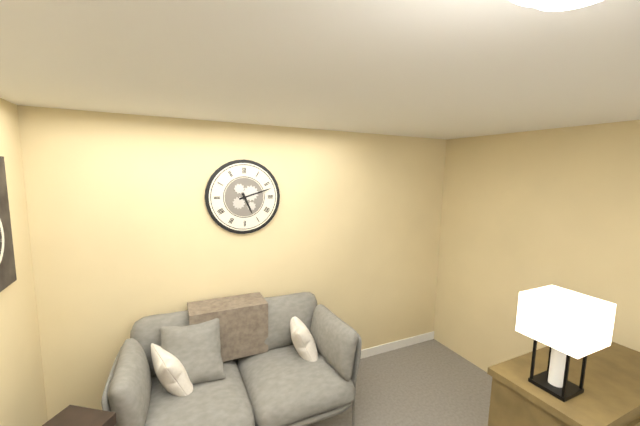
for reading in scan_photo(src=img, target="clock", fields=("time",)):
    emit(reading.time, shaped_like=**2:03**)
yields **5:12**
